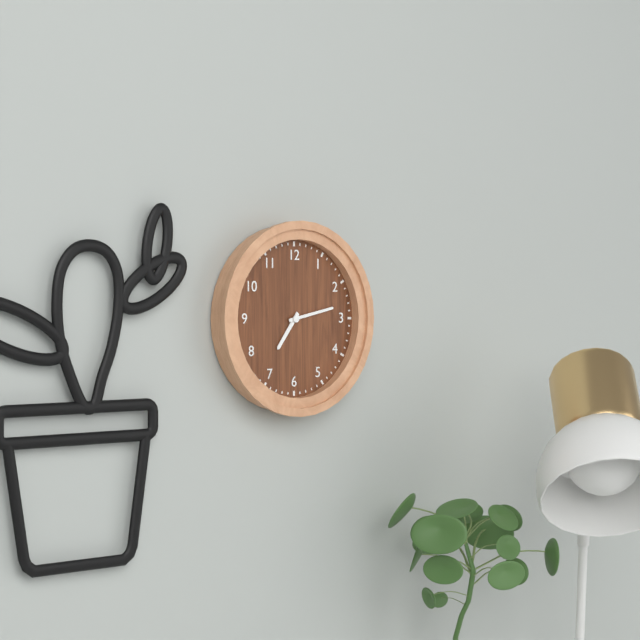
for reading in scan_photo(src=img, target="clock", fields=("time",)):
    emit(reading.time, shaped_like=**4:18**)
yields **7:13**
